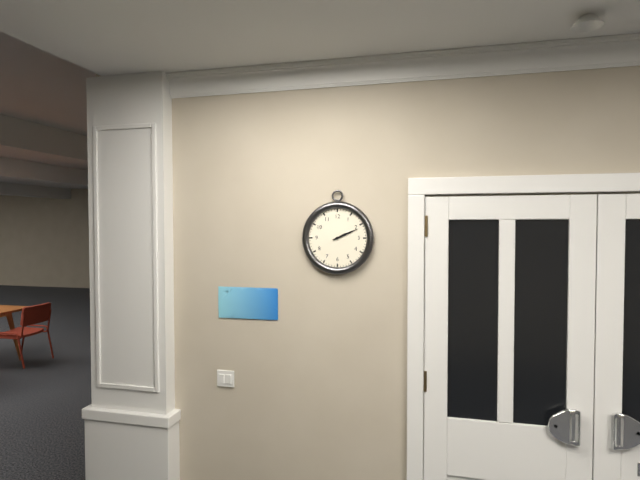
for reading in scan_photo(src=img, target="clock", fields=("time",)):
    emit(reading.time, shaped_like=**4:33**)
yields **2:11**
